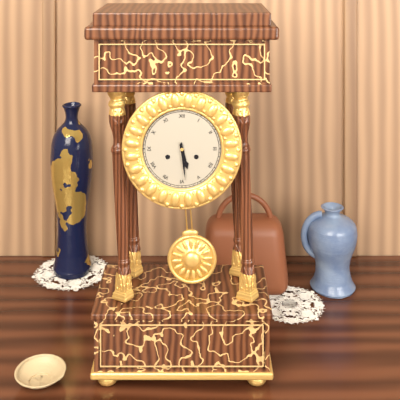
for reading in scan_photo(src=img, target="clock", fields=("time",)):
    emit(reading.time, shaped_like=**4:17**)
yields **5:29**
